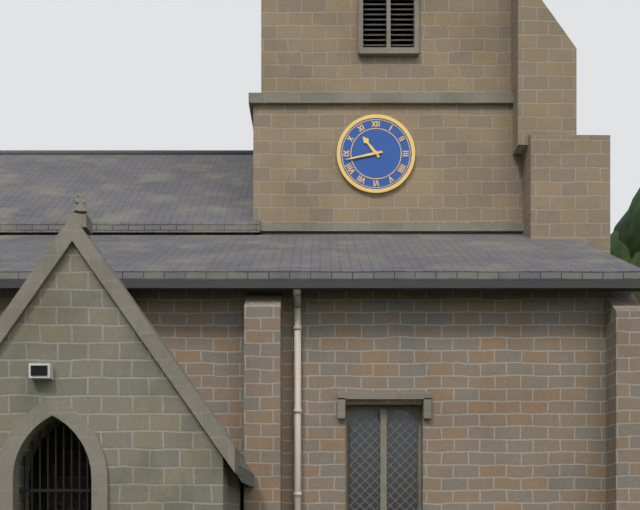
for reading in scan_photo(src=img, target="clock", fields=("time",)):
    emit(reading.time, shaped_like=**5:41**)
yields **10:43**
